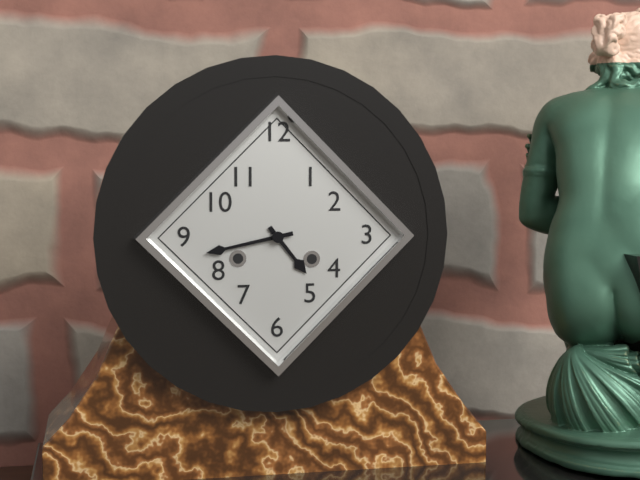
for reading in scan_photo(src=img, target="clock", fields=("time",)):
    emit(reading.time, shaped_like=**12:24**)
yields **4:43**
